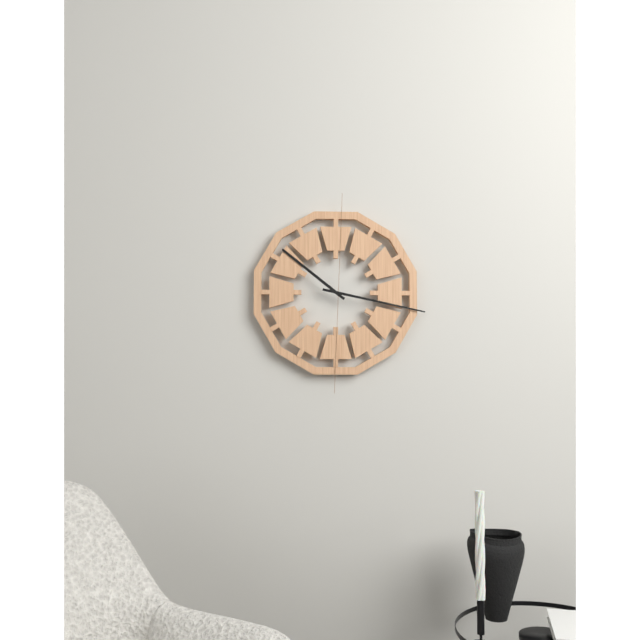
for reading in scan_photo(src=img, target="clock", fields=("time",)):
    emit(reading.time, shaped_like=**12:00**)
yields **10:17**
